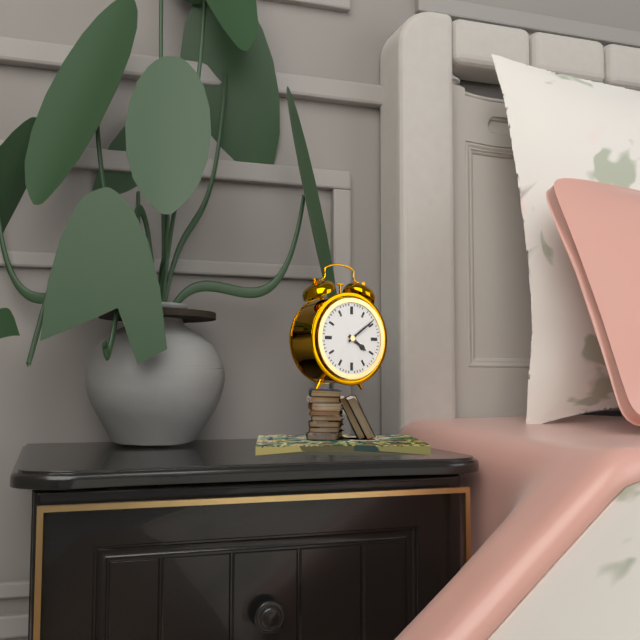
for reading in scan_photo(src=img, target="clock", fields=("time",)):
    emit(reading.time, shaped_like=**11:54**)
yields **4:09**
